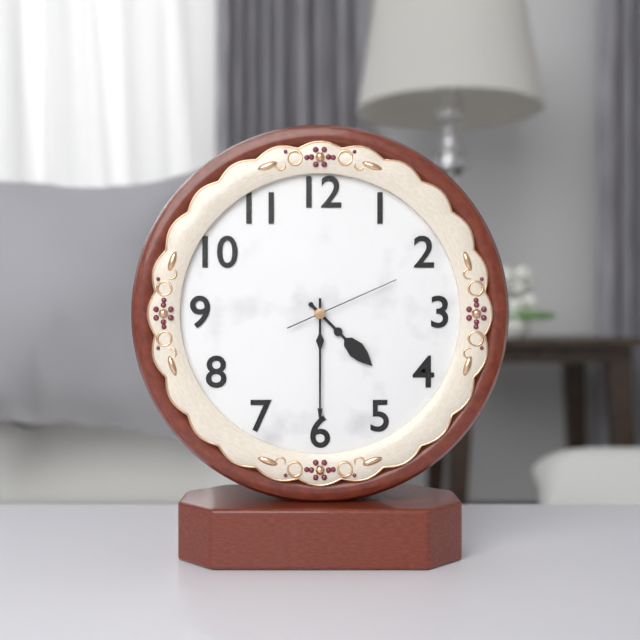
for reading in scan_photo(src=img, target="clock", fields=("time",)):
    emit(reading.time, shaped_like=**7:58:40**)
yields **4:30:11**
